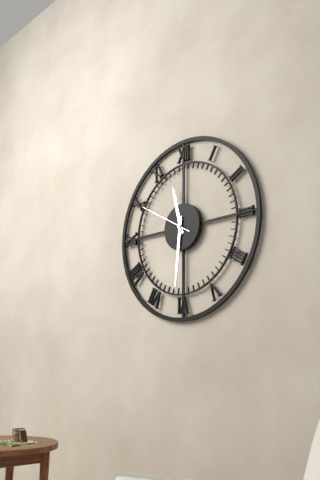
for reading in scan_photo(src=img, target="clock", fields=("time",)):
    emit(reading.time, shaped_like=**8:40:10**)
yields **11:31:50**
